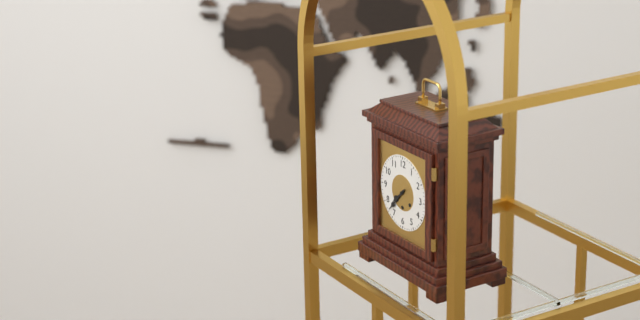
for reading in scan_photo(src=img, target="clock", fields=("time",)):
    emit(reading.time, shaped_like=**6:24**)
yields **7:37**
